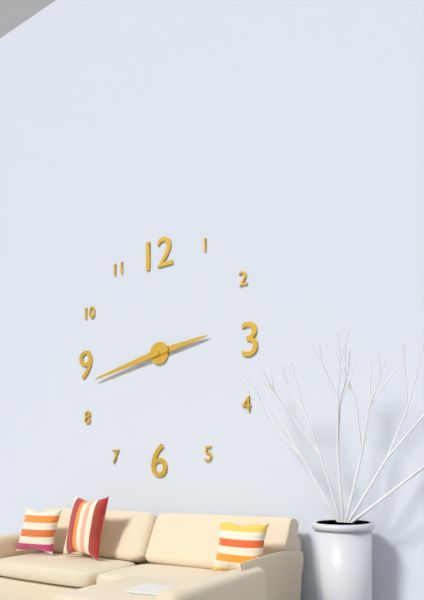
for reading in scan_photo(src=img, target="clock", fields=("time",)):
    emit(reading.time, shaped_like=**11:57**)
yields **2:43**
